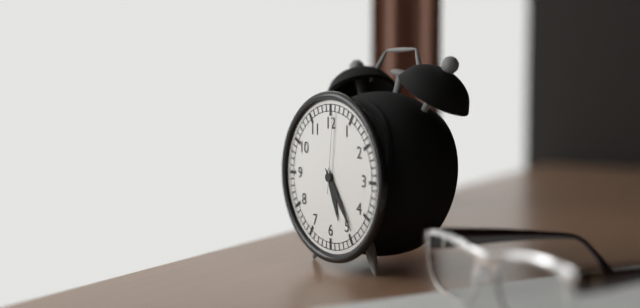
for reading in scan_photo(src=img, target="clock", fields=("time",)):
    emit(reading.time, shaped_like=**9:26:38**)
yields **5:24:01**
